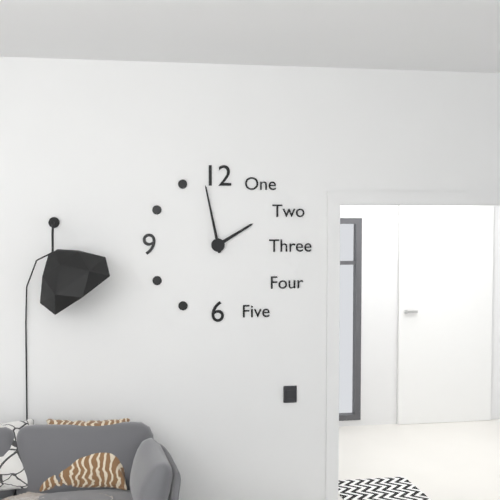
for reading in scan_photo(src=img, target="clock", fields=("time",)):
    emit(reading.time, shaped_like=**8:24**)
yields **1:58**
